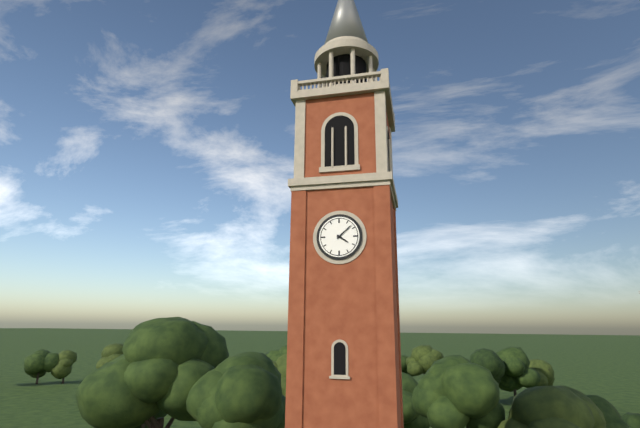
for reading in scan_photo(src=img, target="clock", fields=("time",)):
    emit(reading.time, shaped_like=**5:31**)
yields **4:08**
